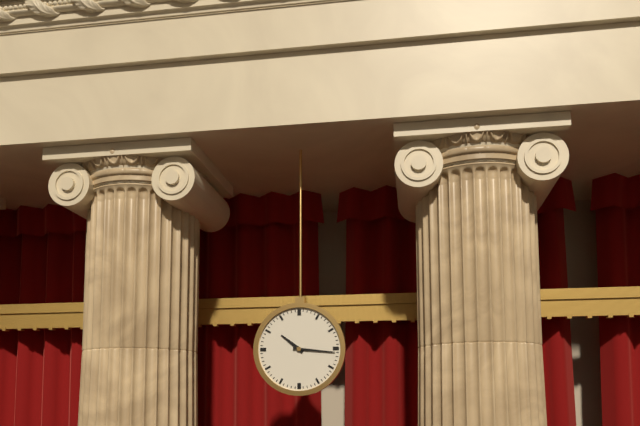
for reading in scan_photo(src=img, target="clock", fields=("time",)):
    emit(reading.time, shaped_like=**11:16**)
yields **10:16**
